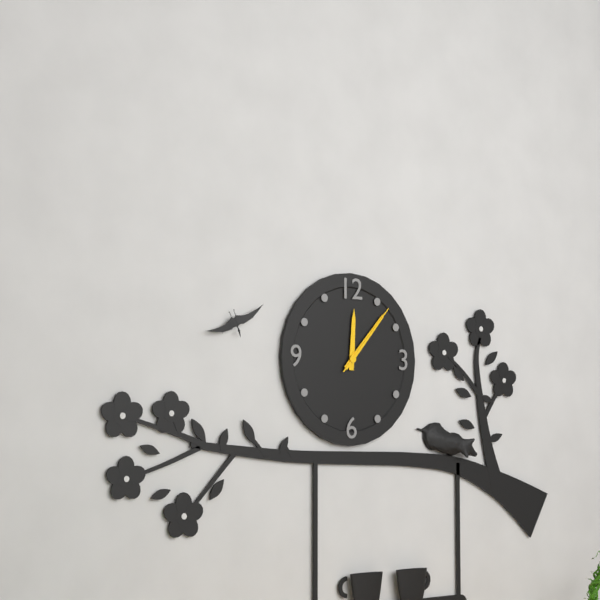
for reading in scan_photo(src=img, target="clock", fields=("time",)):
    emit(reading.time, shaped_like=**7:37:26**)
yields **12:07:07**
